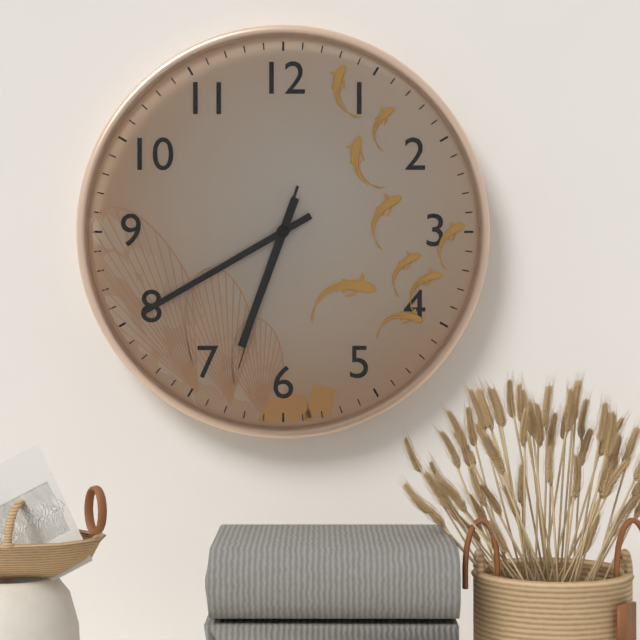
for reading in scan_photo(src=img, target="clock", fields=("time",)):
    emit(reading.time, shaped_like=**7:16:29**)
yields **6:40:33**
